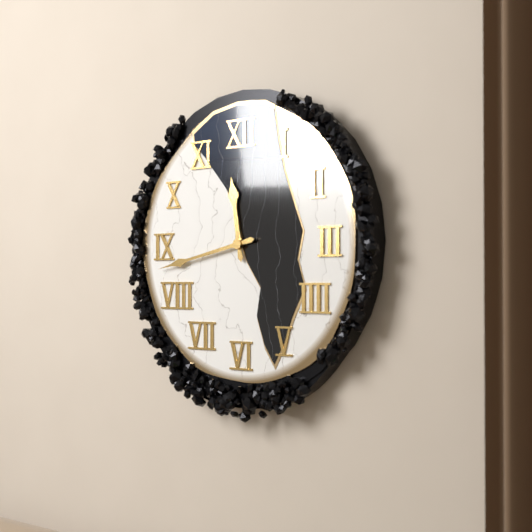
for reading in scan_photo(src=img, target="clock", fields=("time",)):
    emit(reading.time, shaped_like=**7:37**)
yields **11:43**
